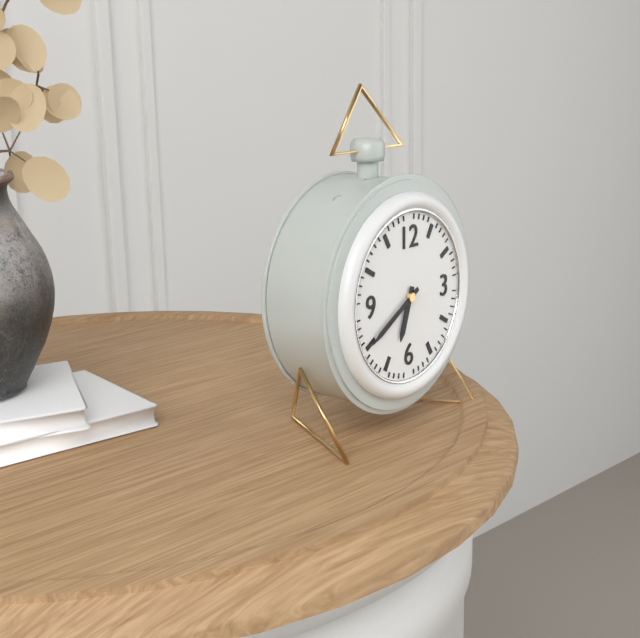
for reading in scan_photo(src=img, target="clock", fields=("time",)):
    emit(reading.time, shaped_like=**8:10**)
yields **6:40**
